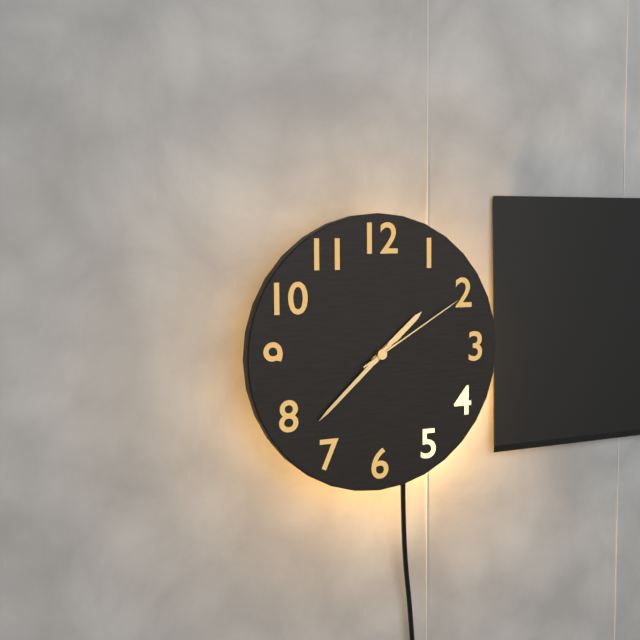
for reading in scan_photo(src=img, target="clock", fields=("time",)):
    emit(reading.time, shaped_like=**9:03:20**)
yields **1:38:10**
